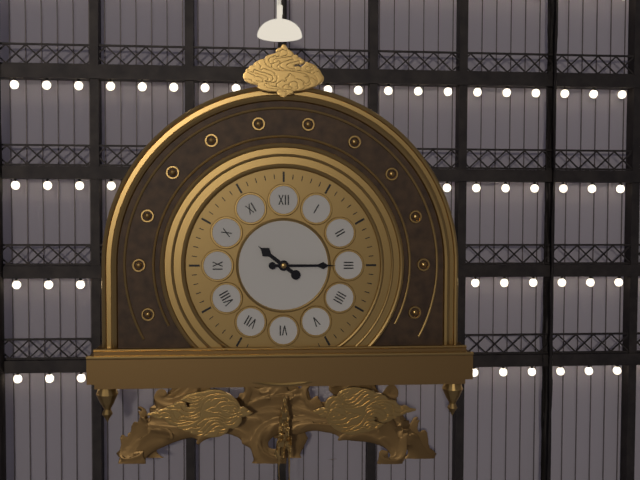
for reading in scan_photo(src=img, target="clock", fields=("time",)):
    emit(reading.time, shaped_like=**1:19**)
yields **10:15**
